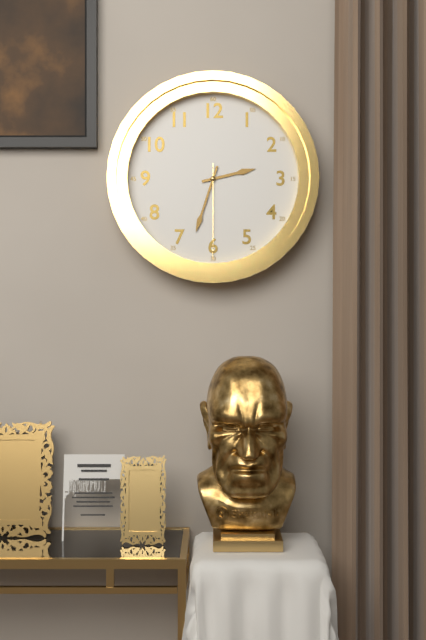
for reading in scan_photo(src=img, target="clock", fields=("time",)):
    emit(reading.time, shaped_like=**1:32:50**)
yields **2:33:30**
